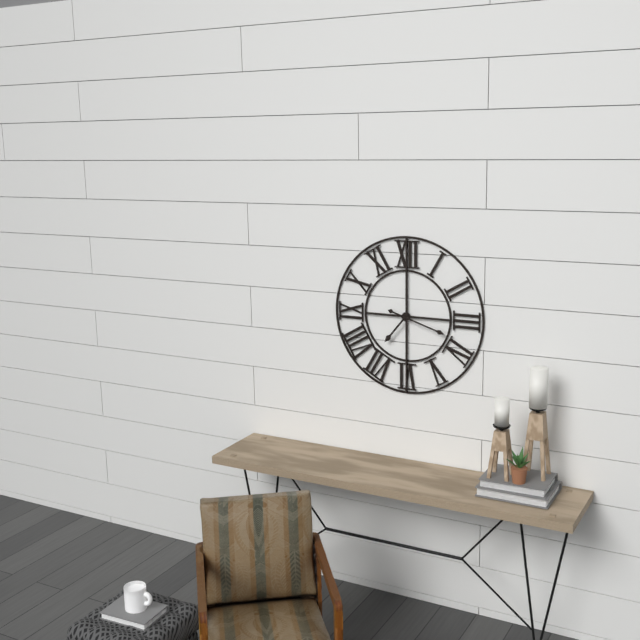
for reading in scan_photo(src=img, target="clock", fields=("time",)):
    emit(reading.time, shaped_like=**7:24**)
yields **7:18**
